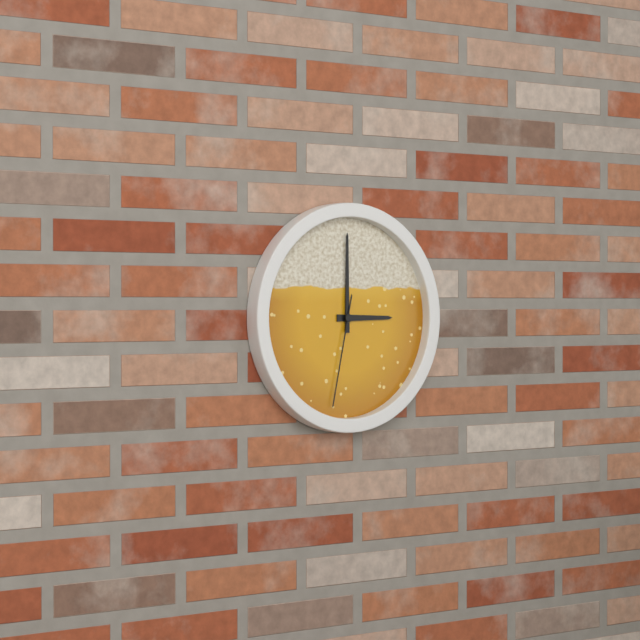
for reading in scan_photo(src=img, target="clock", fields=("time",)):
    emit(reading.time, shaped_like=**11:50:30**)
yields **3:00:32**
